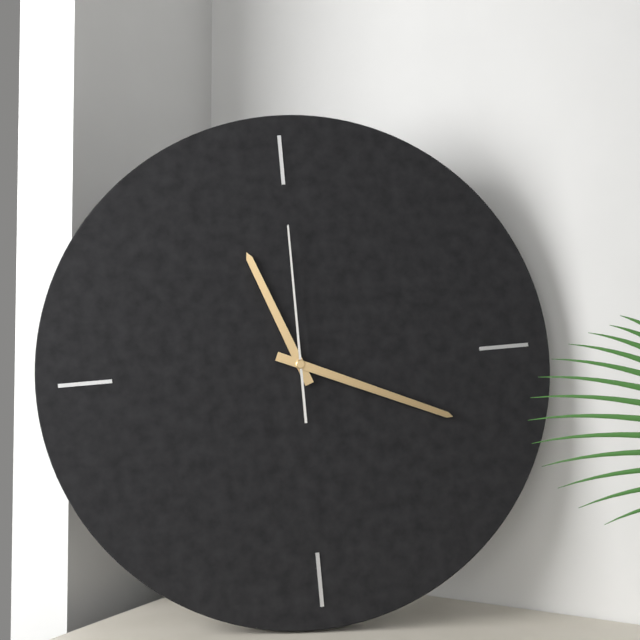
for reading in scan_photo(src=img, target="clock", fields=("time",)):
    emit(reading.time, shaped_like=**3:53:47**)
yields **11:19:00**
